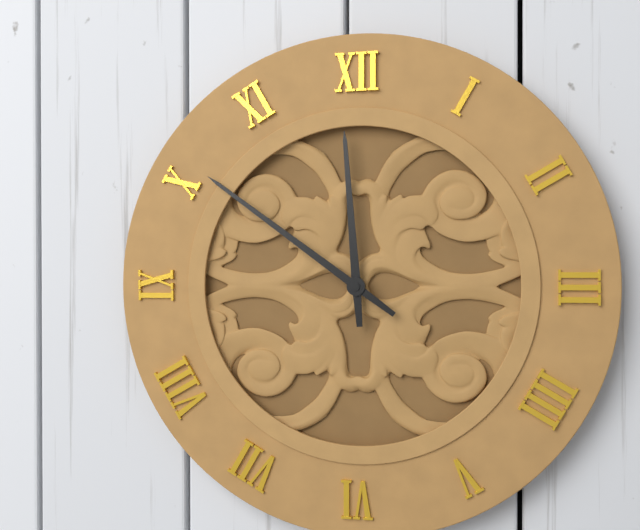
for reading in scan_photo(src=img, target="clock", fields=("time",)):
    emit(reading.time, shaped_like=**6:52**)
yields **11:51**
